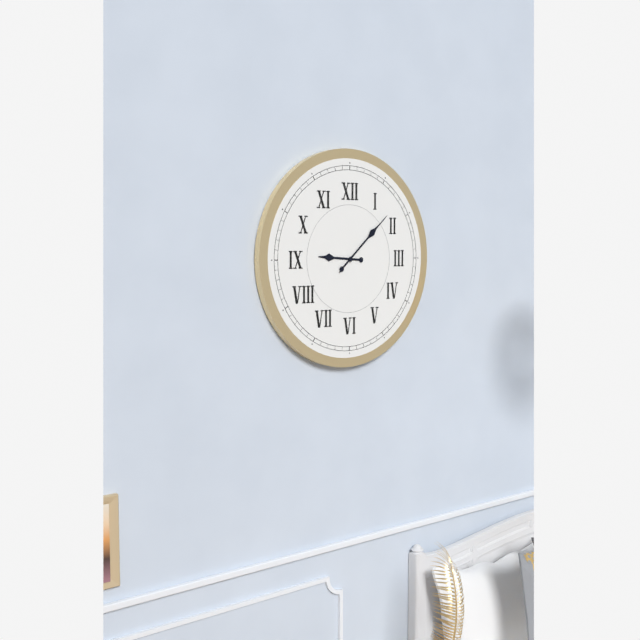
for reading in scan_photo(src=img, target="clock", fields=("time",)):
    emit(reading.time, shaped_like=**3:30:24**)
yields **9:08:08**
